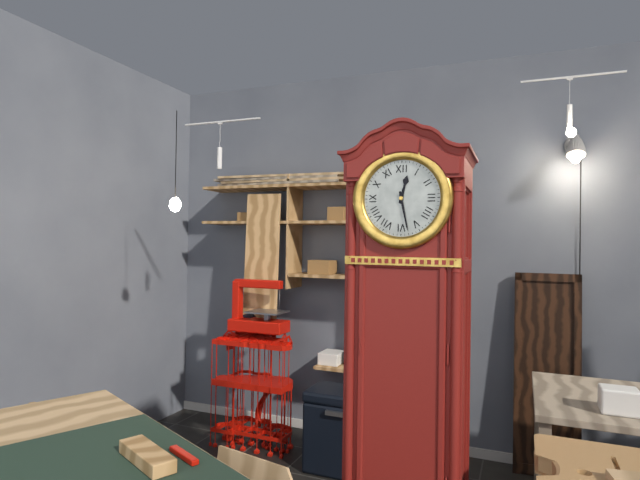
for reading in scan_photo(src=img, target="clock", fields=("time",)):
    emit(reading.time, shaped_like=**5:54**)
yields **12:28**
